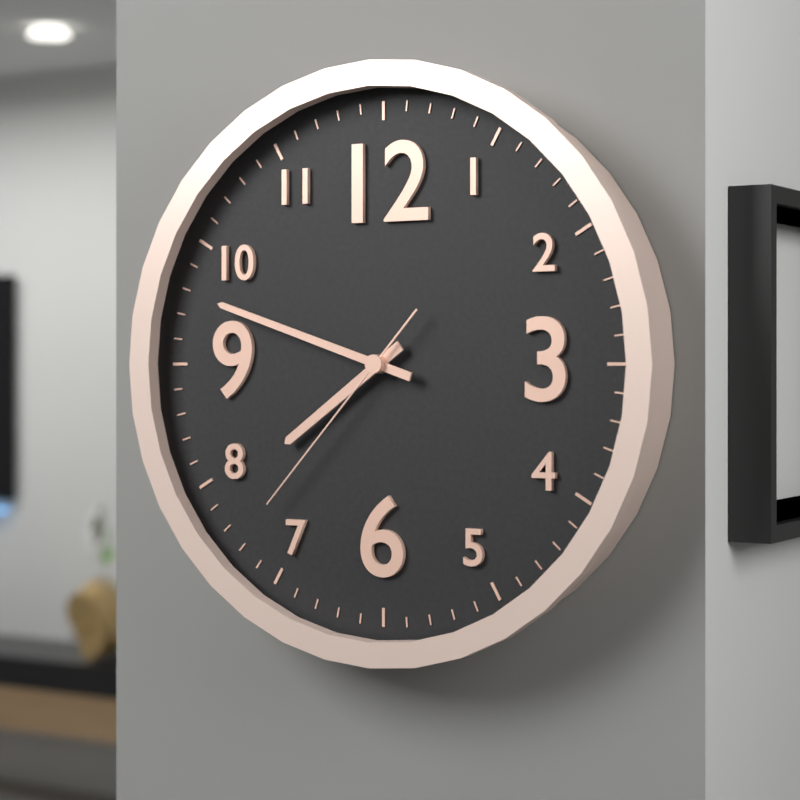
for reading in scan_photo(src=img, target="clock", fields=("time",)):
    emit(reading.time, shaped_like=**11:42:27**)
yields **7:48:37**
